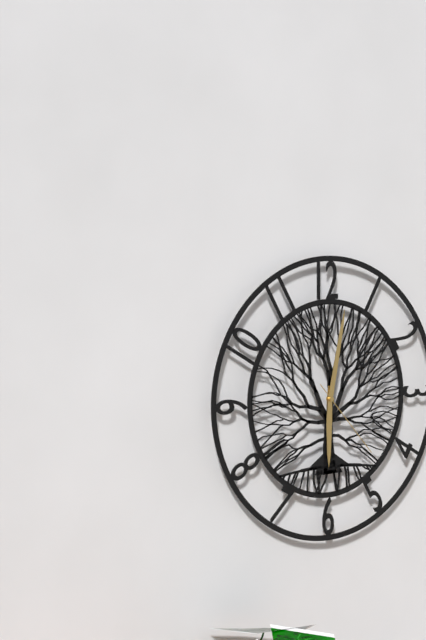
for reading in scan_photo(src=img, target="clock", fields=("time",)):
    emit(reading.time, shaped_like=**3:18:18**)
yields **6:02:23**
